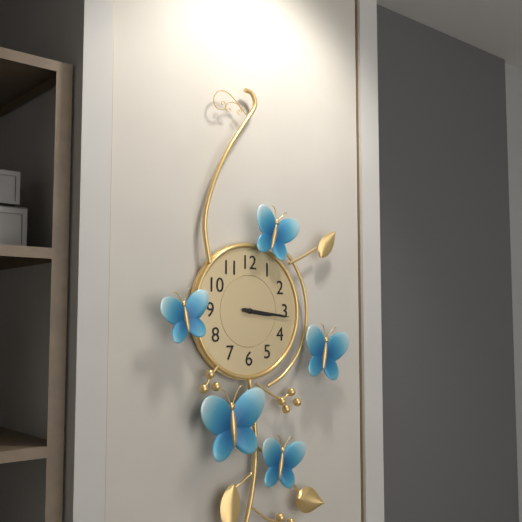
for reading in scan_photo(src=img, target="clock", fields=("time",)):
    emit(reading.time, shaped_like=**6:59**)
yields **3:16**
